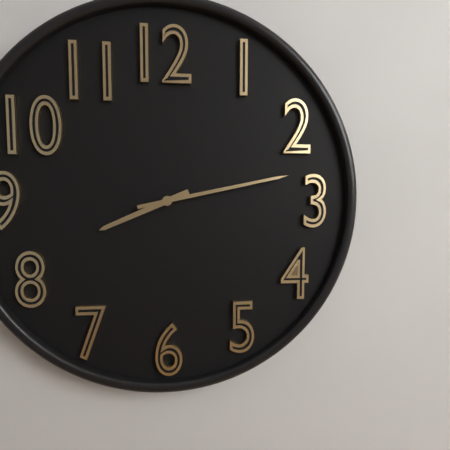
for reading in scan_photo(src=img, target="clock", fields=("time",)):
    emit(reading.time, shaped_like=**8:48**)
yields **8:13**
